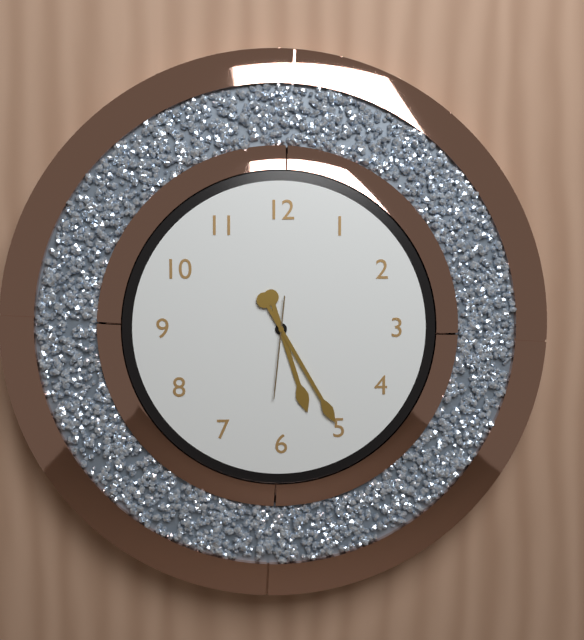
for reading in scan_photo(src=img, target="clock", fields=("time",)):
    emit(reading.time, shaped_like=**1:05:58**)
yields **5:25:31**
